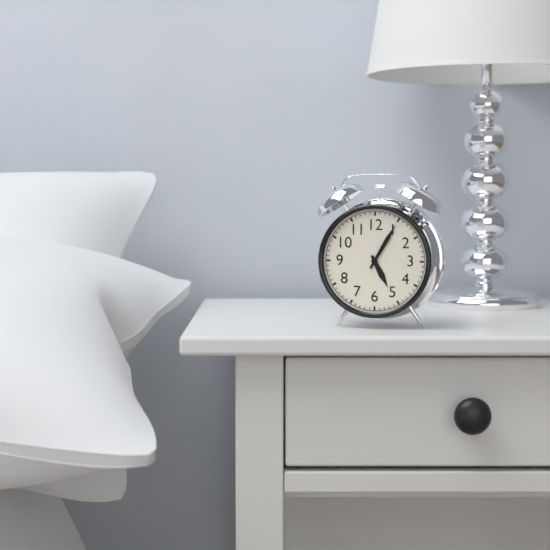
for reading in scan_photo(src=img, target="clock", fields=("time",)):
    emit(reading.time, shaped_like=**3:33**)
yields **5:05**
